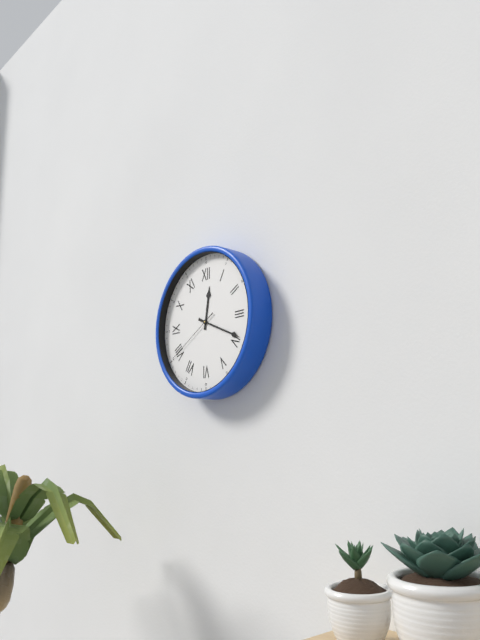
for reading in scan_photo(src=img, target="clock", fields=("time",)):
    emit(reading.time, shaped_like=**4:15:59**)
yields **12:19:40**
